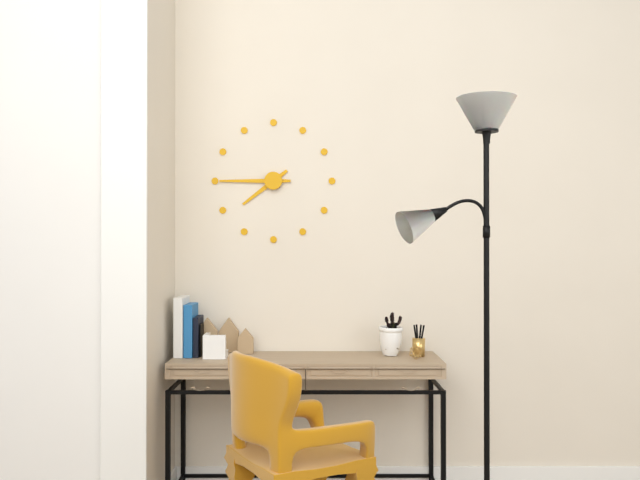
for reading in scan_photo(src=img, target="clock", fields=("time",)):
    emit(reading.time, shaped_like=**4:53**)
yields **7:45**
